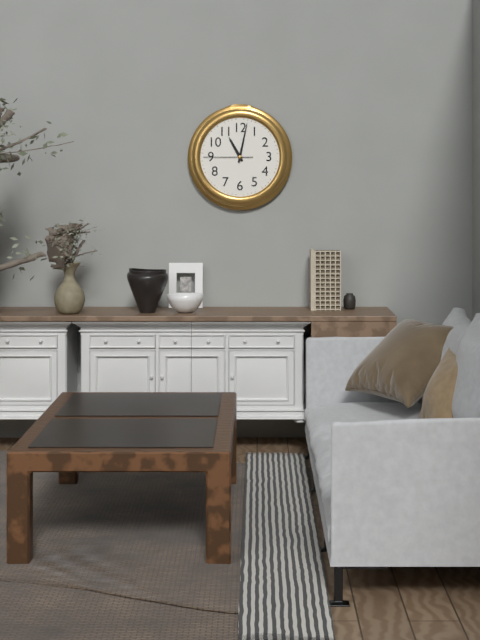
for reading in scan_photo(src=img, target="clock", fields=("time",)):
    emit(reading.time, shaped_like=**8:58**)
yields **11:02**
